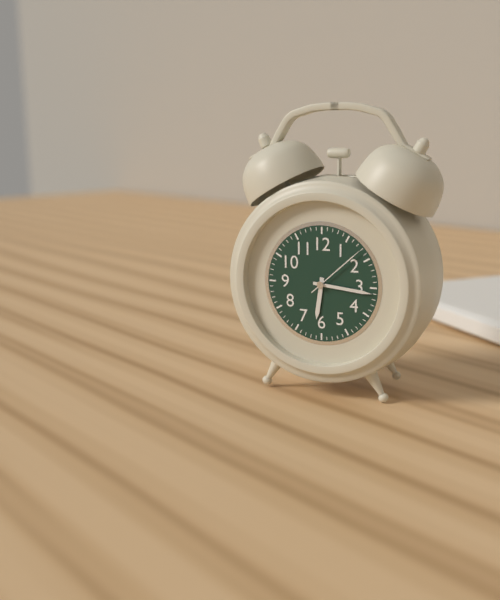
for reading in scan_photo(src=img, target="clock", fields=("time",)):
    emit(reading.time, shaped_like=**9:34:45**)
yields **6:16:08**
